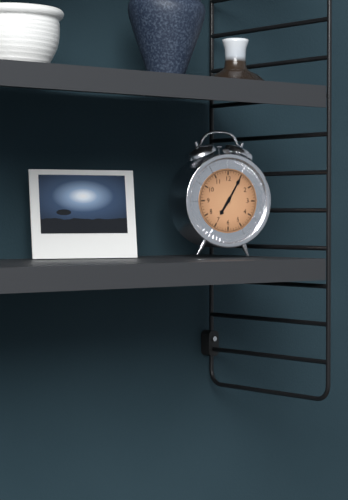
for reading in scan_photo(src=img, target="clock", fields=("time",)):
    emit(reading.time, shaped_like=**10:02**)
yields **7:05**
